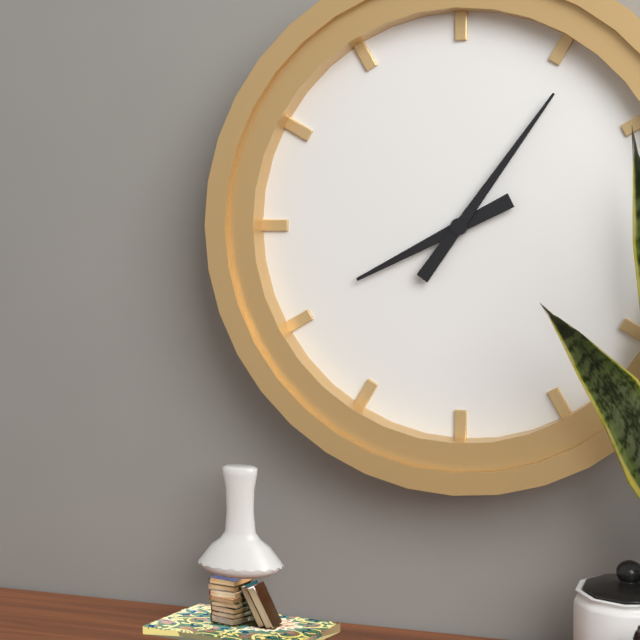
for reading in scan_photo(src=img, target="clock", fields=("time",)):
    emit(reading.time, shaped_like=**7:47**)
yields **8:06**
